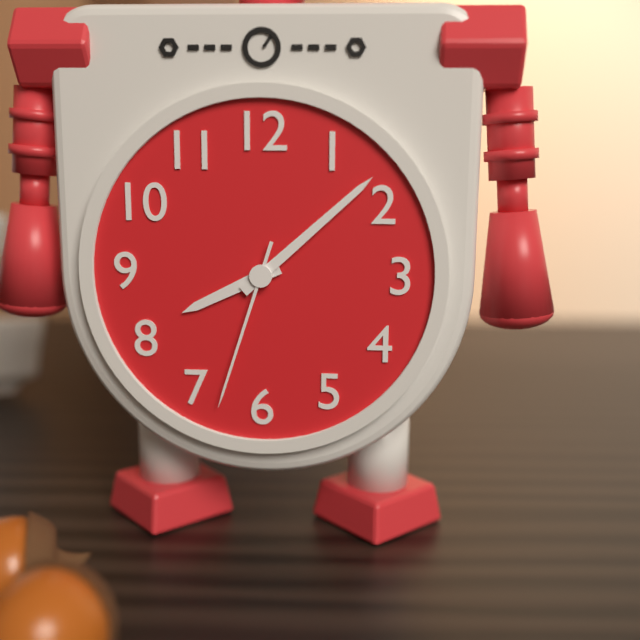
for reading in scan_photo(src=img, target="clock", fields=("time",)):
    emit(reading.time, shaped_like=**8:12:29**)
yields **8:08:33**
